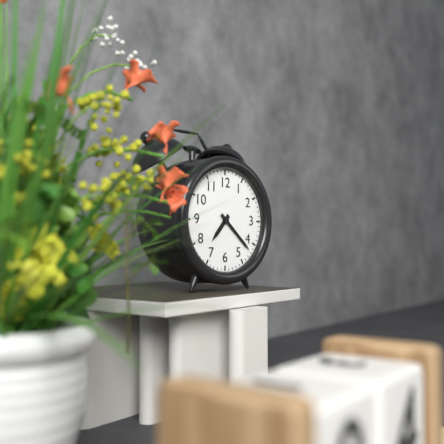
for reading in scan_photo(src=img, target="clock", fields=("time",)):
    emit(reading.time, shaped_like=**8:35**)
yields **7:22**
